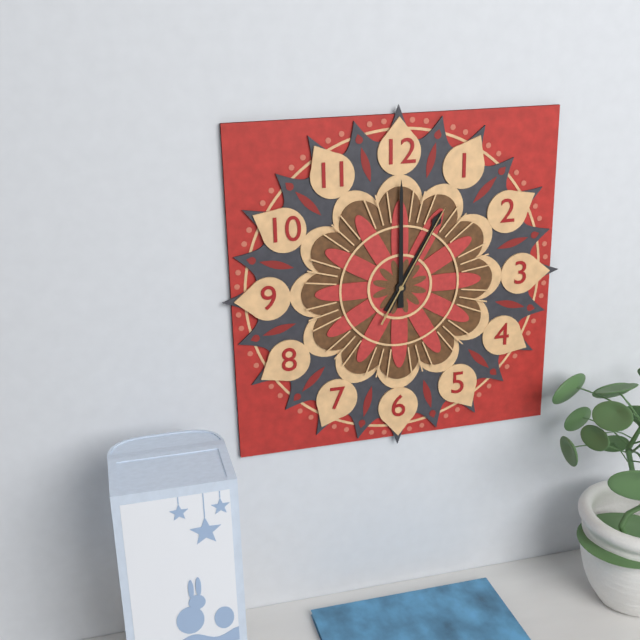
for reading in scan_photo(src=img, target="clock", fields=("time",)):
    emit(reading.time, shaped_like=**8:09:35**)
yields **1:00:05**
